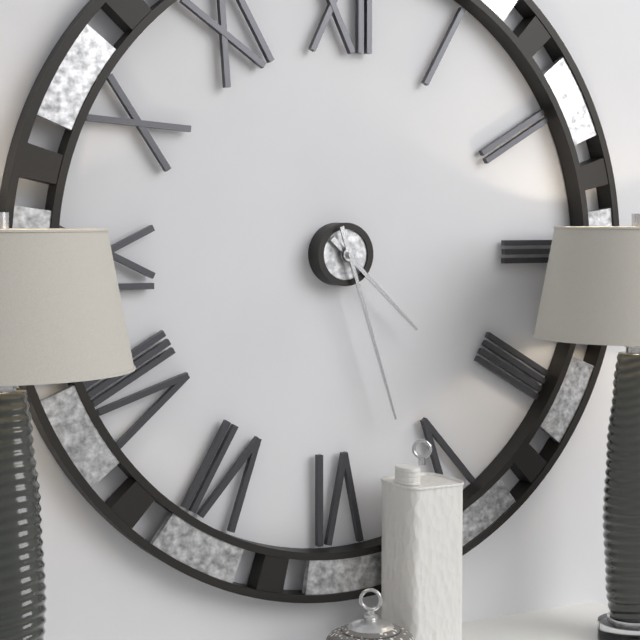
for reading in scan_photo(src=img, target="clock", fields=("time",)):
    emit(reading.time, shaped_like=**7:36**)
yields **4:27**
